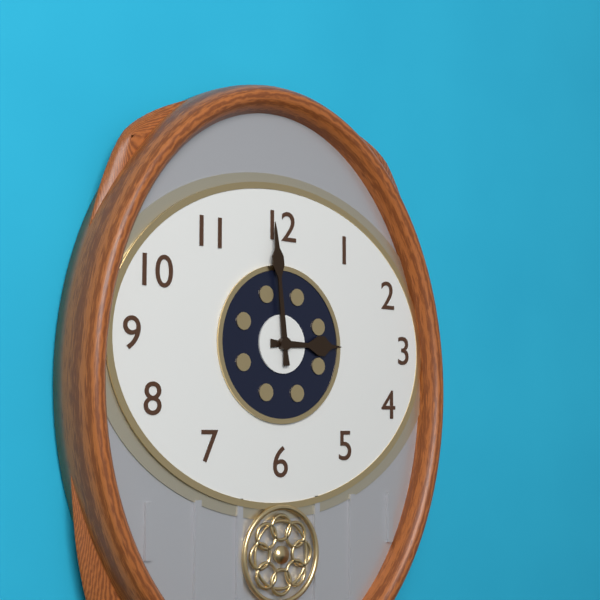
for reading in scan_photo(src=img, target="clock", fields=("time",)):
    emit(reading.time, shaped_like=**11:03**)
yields **2:59**
